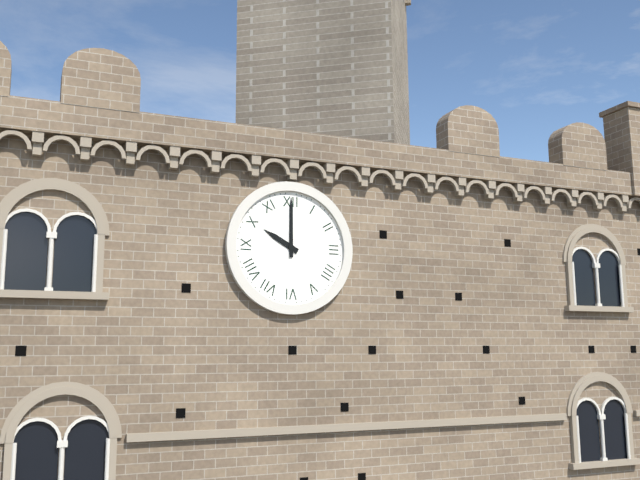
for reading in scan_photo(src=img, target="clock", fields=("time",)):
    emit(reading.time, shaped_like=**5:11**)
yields **10:00**
